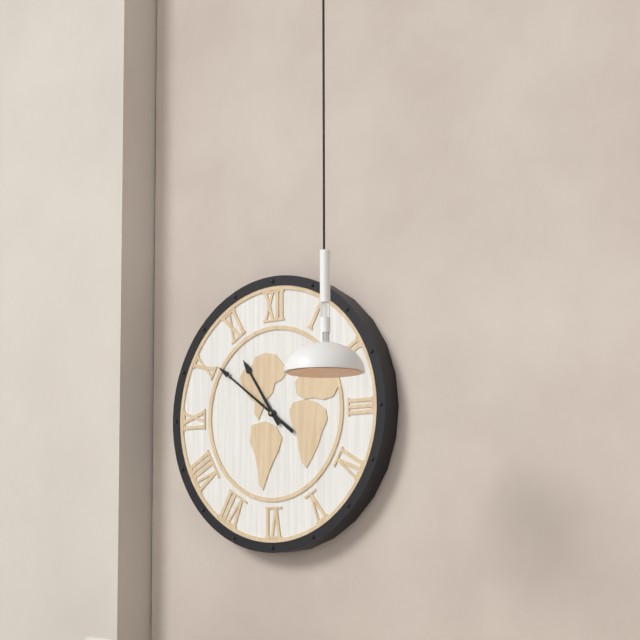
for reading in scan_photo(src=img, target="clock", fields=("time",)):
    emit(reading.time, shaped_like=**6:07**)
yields **10:51**
